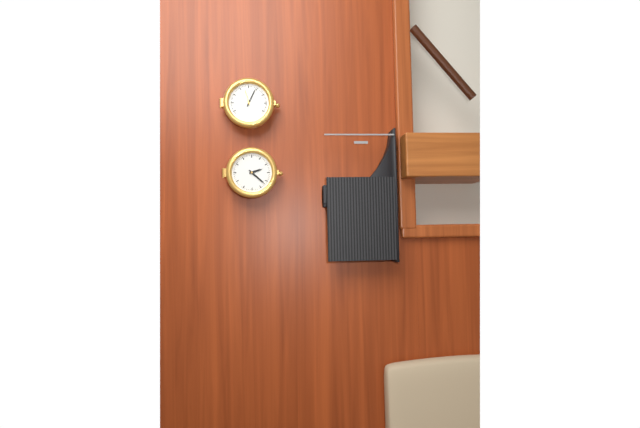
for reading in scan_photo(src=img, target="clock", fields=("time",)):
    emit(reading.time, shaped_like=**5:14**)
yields **2:22**
